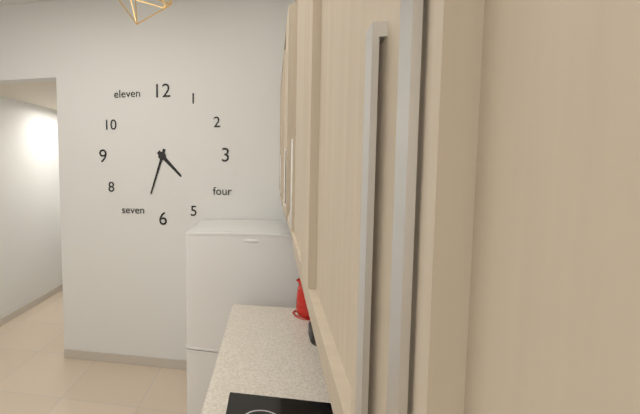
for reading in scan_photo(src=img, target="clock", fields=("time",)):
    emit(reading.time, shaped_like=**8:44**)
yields **4:33**
